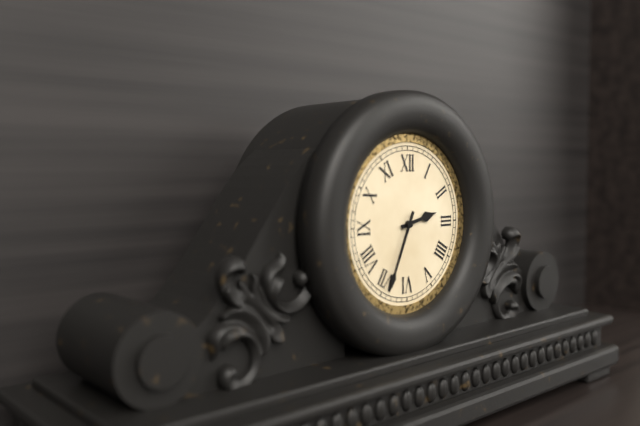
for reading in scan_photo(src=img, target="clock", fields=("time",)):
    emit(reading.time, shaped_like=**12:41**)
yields **2:34**
